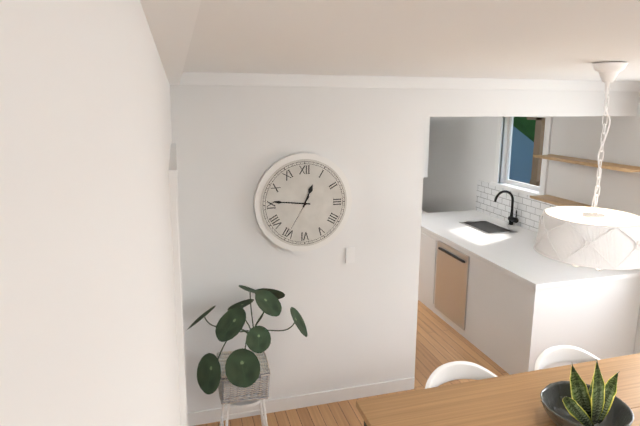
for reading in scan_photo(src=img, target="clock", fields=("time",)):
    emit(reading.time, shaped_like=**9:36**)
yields **12:46**
